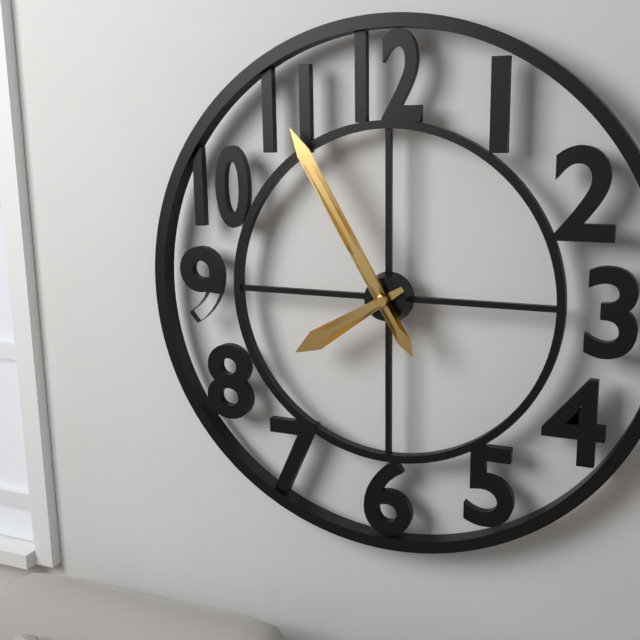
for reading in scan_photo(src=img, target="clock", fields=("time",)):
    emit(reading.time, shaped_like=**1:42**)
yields **7:55**
